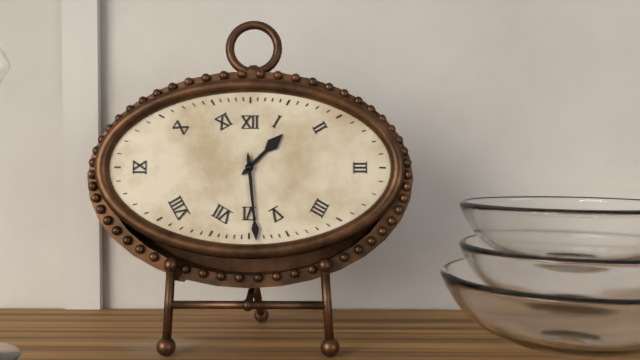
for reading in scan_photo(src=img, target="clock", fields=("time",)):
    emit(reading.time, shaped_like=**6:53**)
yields **1:29**
